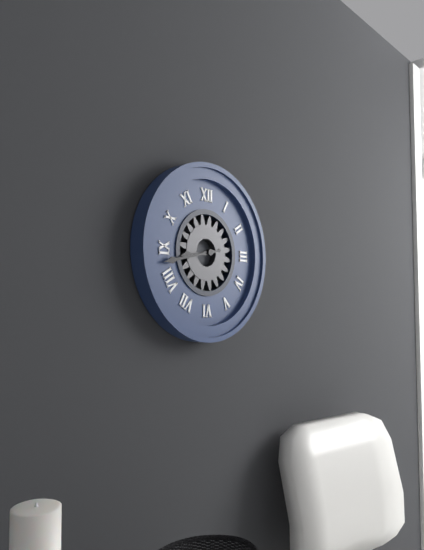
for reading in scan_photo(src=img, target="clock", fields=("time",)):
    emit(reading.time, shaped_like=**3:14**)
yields **8:43**
